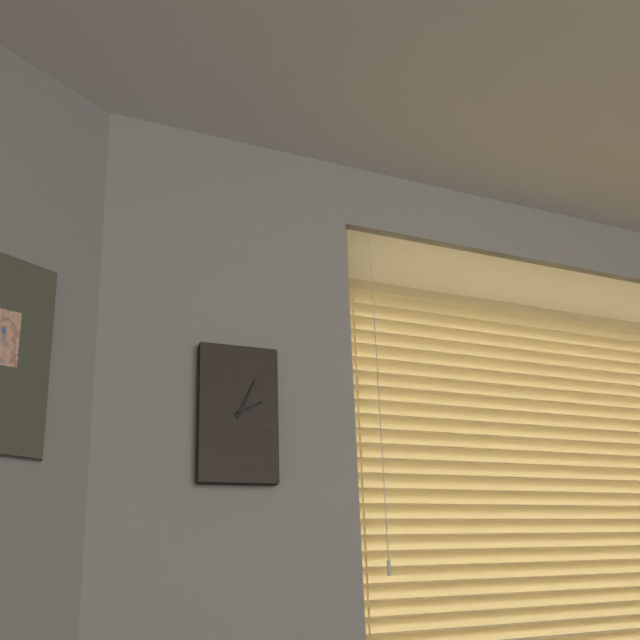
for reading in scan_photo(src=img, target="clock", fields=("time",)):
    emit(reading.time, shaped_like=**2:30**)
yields **2:04**
